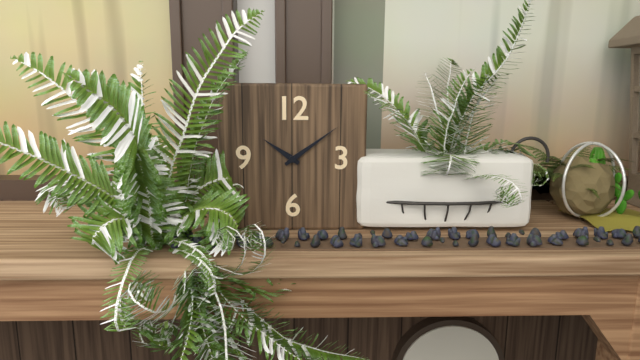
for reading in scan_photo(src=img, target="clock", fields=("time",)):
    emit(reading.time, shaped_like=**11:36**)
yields **10:09**
